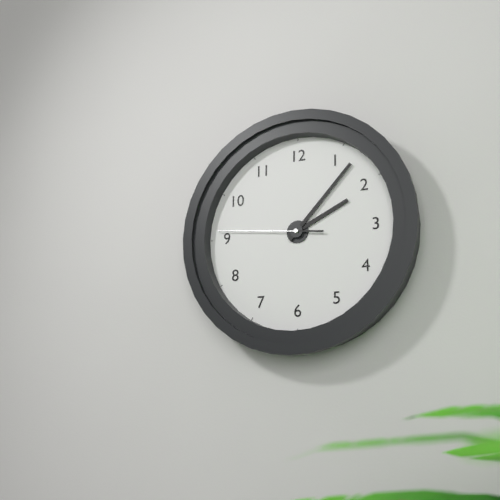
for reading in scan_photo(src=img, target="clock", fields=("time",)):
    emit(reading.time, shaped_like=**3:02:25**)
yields **2:07:46**
